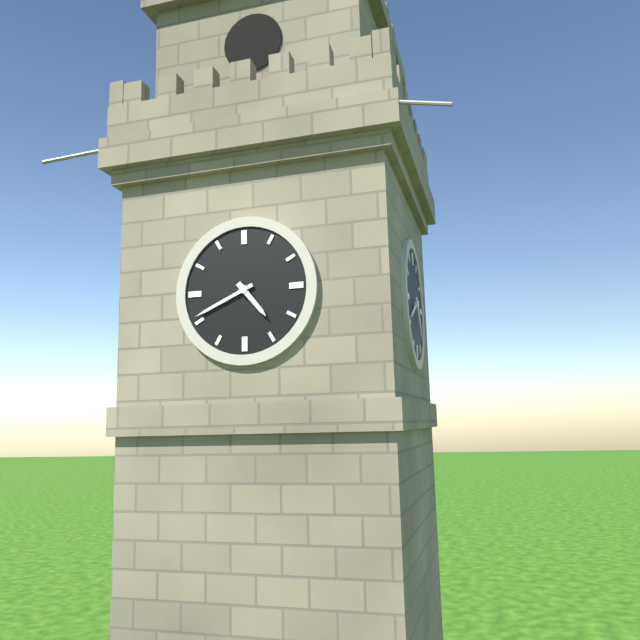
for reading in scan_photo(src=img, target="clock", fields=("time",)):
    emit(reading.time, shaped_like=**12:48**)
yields **4:41**
